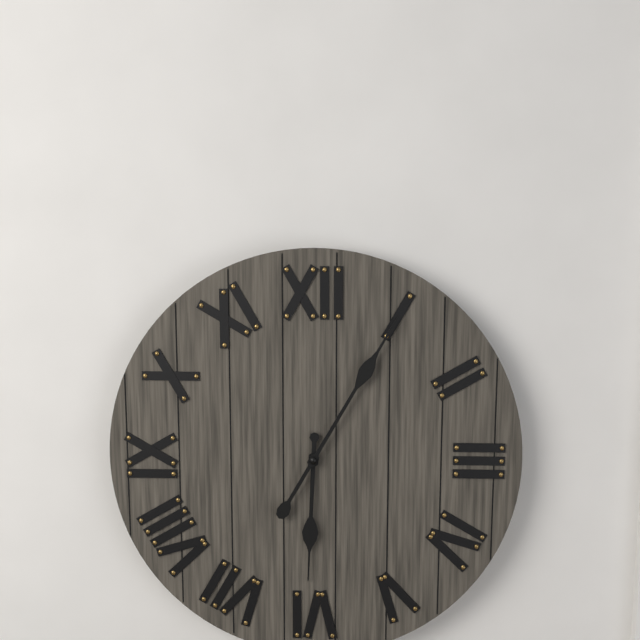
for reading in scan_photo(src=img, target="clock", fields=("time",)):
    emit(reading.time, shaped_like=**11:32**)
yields **6:05**
